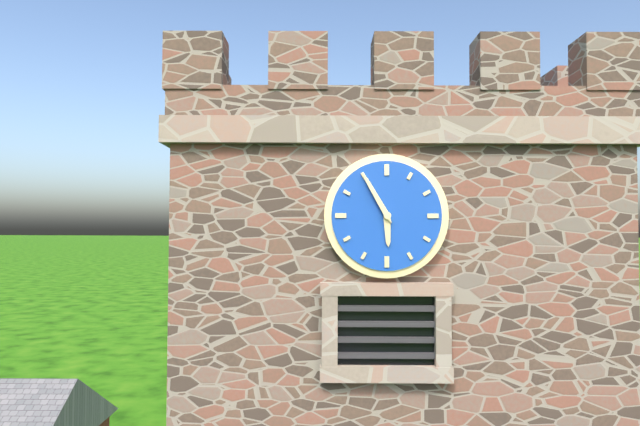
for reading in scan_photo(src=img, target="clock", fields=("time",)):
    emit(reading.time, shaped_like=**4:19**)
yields **5:55**
